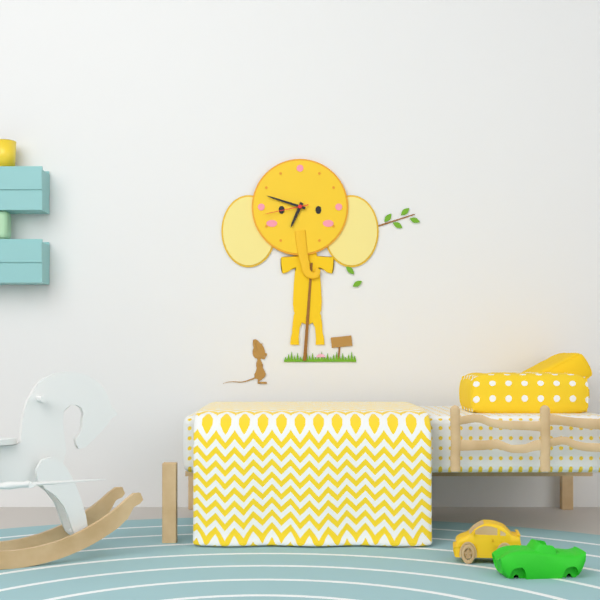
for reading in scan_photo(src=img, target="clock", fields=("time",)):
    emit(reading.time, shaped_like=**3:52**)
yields **6:48**
